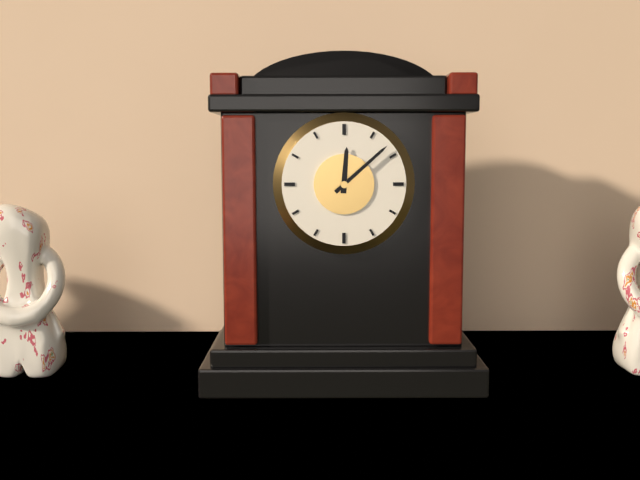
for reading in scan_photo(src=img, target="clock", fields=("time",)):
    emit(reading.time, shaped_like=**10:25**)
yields **12:08**
